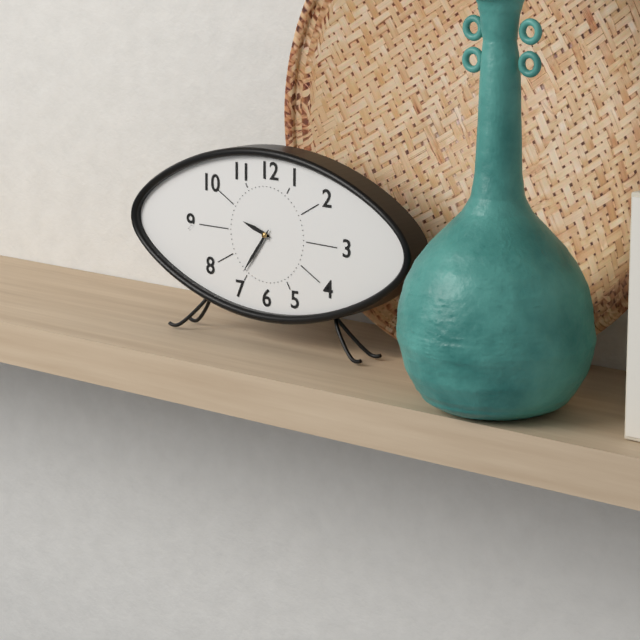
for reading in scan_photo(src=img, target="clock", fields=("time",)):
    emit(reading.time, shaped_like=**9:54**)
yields **9:36**
